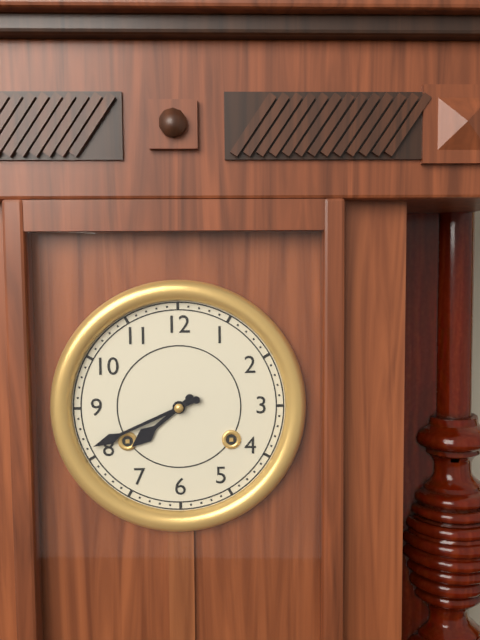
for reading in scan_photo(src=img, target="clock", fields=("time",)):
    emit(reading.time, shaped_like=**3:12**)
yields **7:41**
